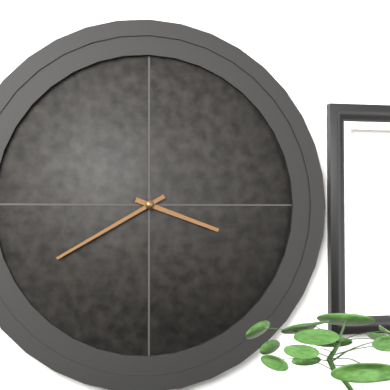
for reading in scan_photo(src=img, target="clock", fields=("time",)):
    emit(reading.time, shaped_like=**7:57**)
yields **3:40**
